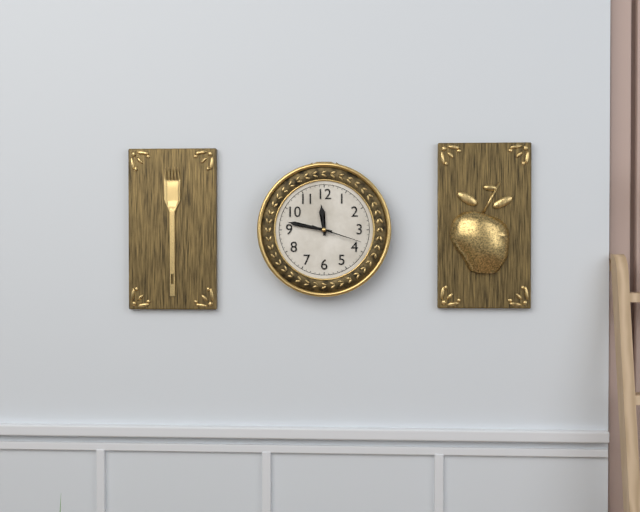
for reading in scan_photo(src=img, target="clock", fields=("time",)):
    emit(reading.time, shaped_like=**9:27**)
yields **11:47**
